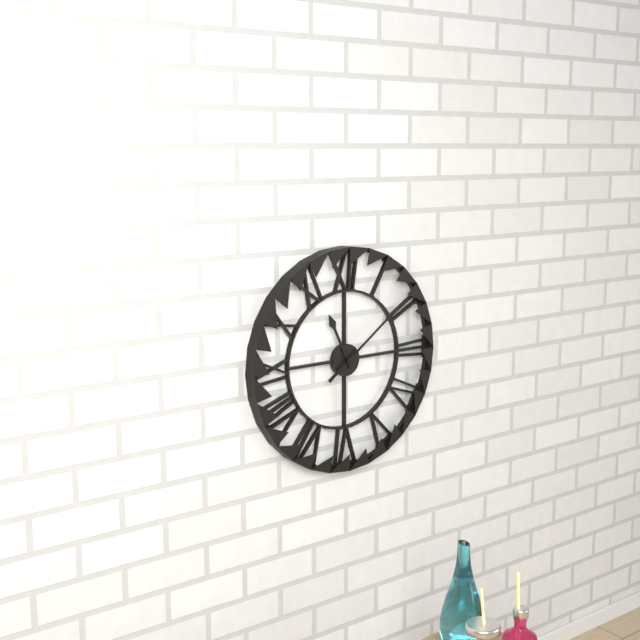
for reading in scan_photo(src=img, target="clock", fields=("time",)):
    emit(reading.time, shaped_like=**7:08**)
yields **11:09**
